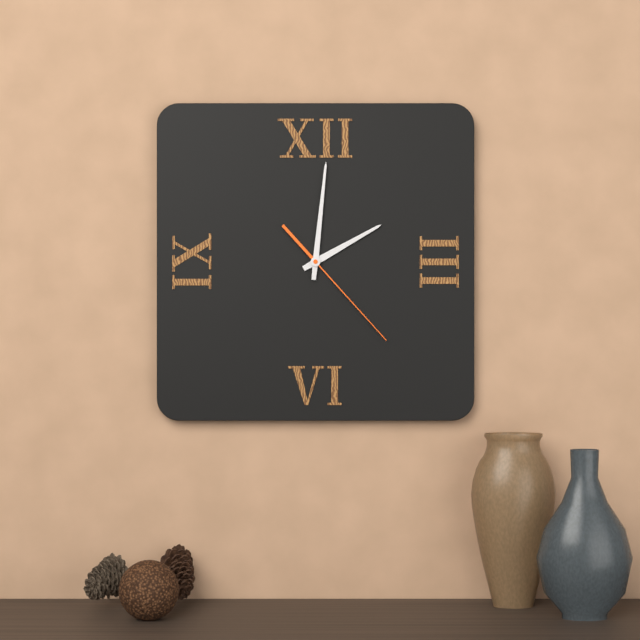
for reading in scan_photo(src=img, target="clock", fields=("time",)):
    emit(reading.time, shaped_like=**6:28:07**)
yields **2:01:23**
